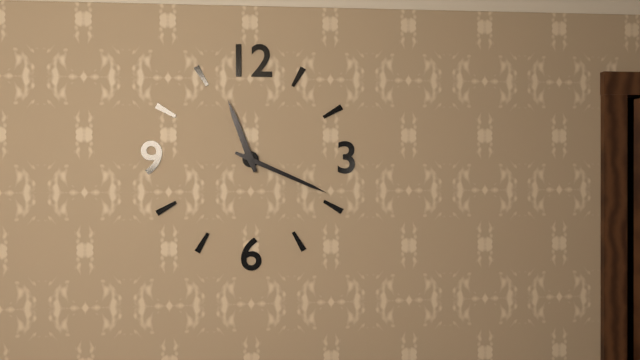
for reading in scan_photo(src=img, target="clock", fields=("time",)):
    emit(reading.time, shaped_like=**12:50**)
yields **11:19**
